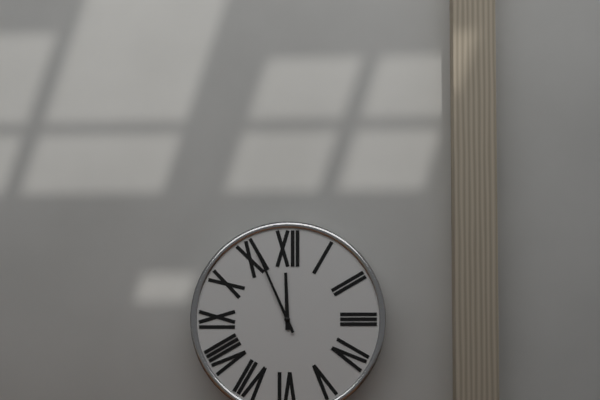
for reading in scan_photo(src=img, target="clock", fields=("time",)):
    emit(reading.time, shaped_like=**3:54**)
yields **11:56**
